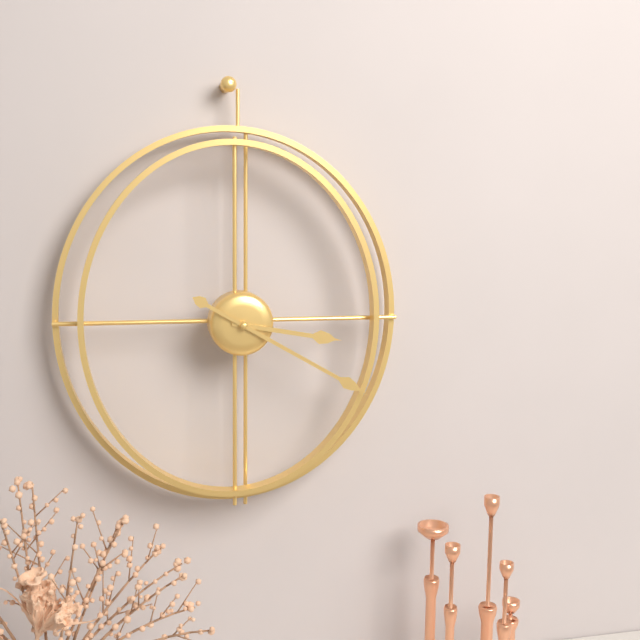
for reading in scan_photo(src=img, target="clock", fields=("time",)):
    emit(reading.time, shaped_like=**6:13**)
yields **3:20**
